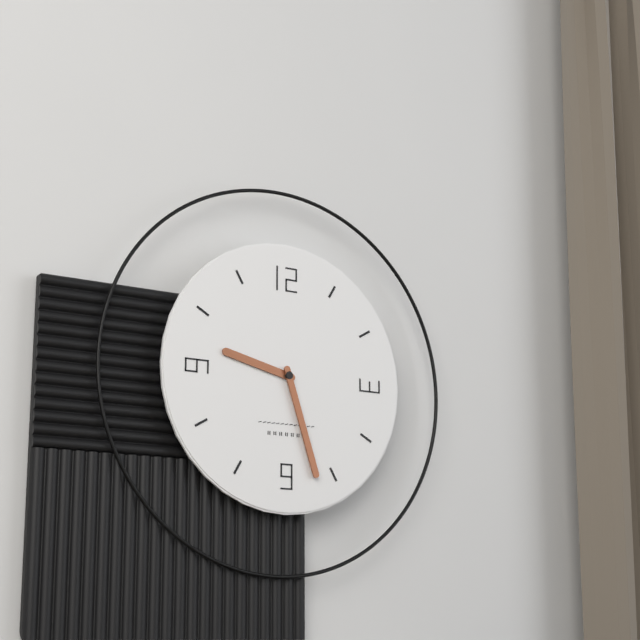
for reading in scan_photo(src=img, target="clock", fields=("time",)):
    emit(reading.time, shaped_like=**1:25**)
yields **9:27**
